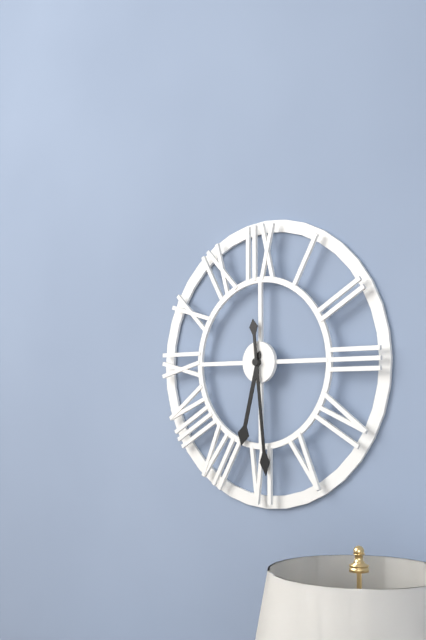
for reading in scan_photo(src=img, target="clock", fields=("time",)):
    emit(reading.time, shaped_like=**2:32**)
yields **6:29**
